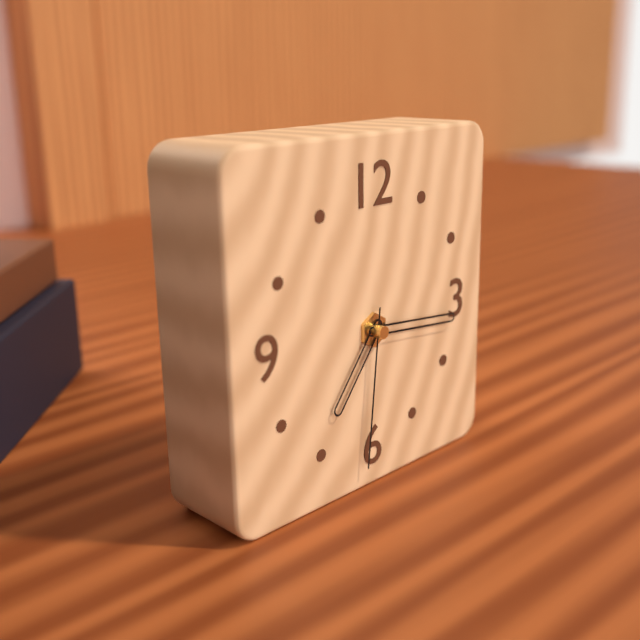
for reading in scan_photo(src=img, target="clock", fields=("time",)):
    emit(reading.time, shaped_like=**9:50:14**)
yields **7:16:31**
